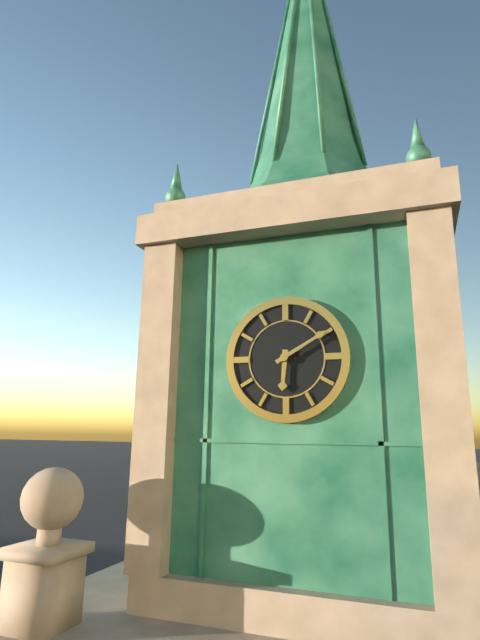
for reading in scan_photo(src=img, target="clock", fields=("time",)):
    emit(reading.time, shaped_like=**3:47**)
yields **6:10**
